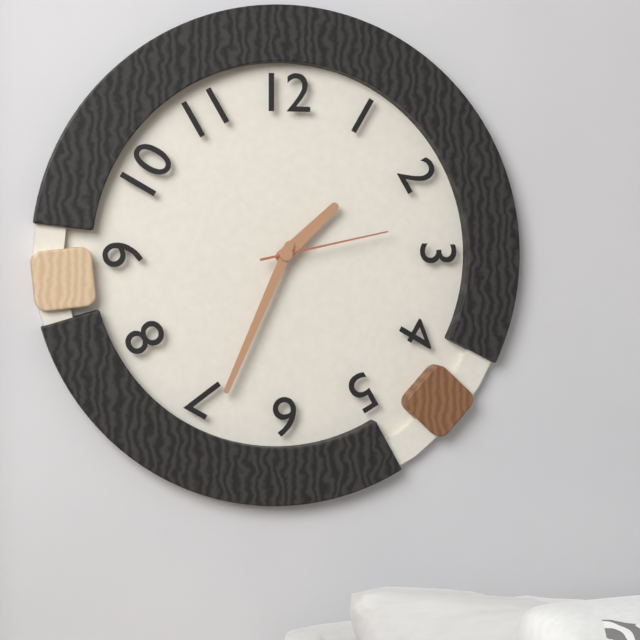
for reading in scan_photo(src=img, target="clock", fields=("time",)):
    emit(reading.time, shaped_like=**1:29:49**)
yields **1:34:13**
